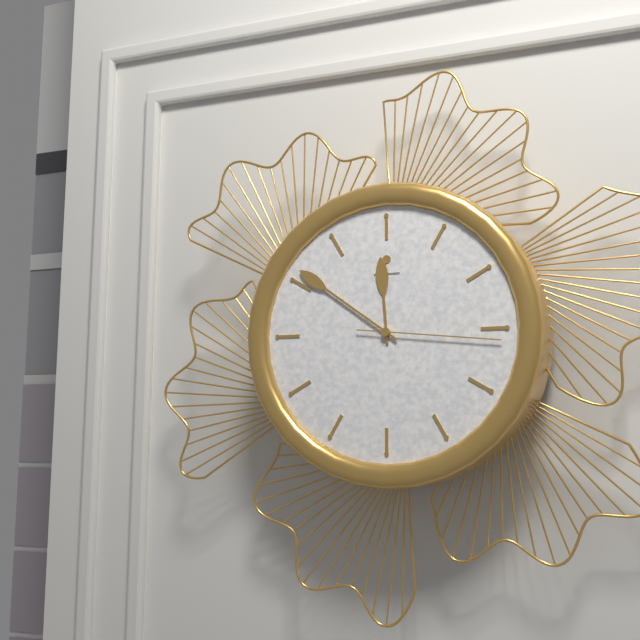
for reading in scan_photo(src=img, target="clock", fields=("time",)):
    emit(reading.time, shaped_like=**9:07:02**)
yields **11:51:16**
